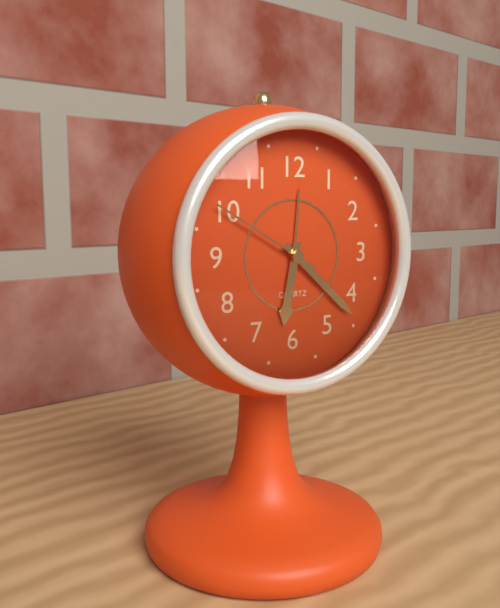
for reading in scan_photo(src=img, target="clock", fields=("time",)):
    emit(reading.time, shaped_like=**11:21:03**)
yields **6:22:50**
